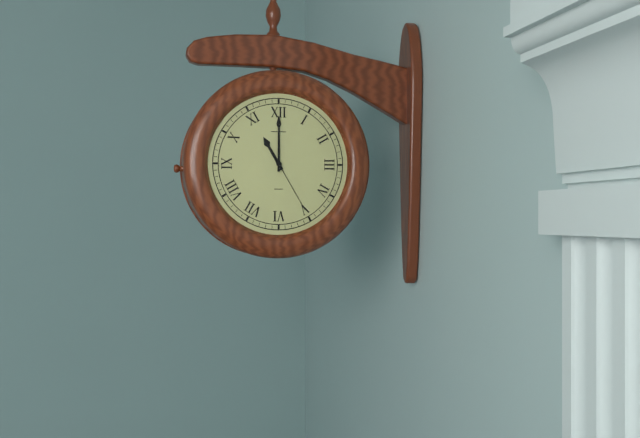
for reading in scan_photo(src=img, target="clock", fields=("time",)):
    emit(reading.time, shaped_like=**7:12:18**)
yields **11:00:25**
